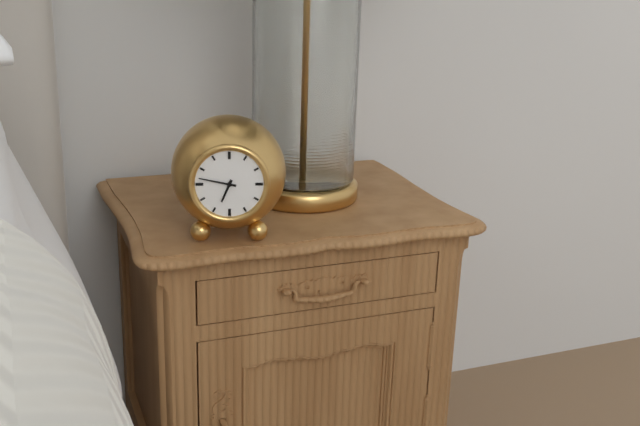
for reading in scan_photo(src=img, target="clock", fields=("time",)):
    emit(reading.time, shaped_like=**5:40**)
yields **6:47**
